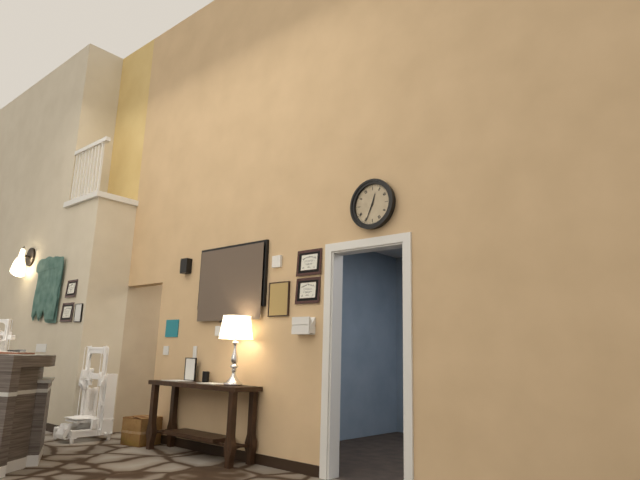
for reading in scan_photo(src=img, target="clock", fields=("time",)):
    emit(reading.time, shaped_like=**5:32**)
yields **12:34**
